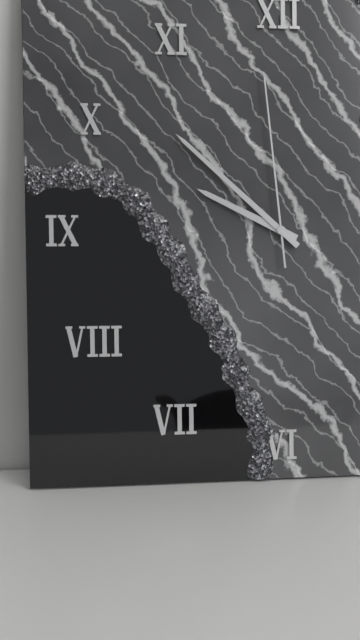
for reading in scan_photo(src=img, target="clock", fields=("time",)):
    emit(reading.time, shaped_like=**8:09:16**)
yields **9:52:59**
